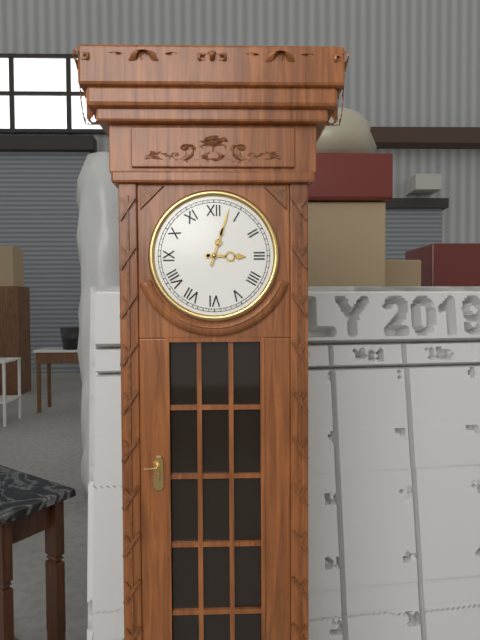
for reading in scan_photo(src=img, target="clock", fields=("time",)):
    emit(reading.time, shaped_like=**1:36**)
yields **3:03**
